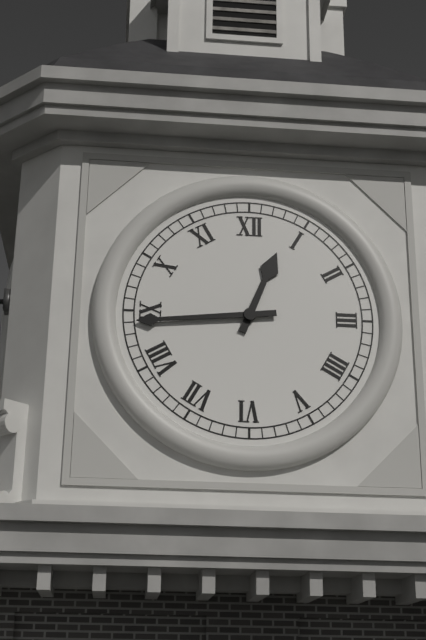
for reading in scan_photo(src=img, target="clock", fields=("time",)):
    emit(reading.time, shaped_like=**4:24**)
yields **12:44**
